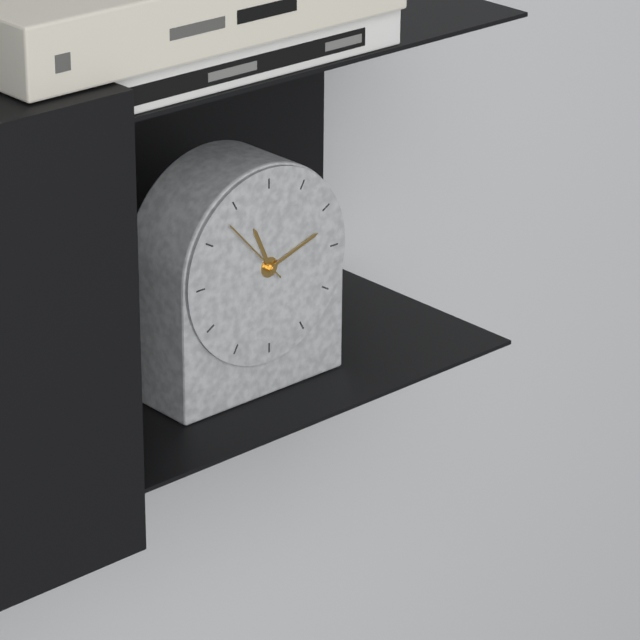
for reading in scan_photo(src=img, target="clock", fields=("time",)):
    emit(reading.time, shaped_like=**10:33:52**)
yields **11:12:53**
